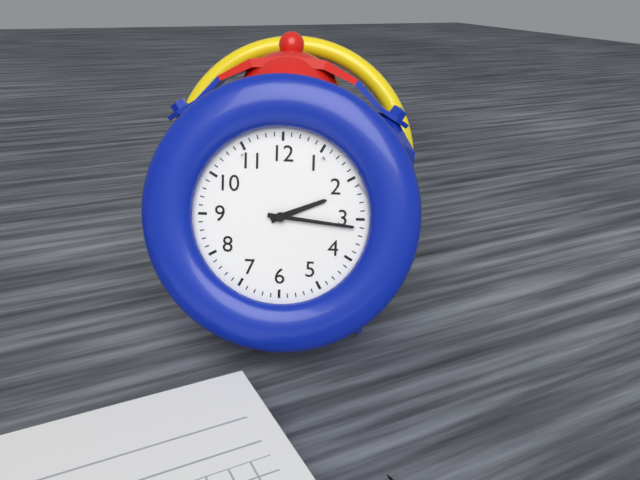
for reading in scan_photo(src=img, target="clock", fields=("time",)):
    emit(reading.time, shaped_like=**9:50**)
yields **2:16**
